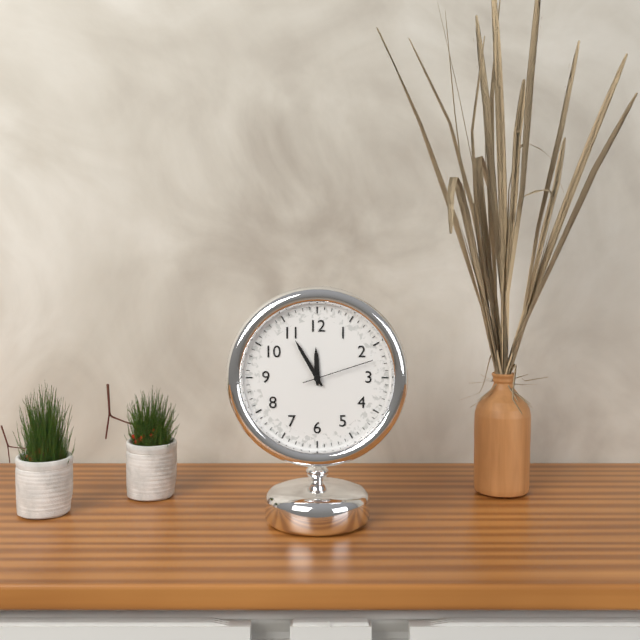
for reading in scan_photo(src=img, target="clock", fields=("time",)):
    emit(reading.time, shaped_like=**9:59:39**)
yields **11:55:12**
